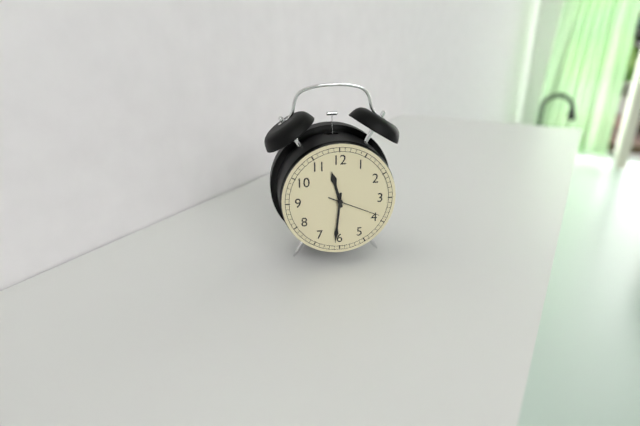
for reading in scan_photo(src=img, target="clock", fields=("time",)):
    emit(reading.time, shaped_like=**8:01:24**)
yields **11:31:19**
